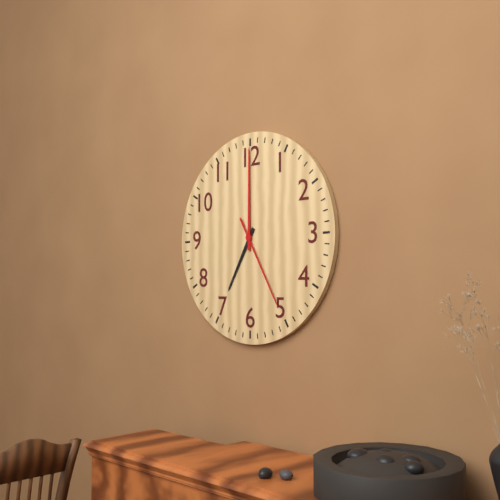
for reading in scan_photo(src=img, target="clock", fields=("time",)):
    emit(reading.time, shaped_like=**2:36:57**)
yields **7:00:25**
